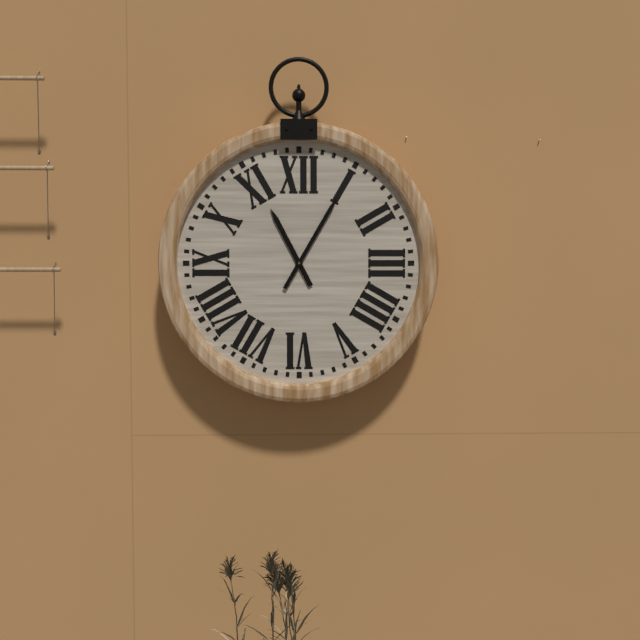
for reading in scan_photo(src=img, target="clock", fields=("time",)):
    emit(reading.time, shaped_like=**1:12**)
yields **11:05**
